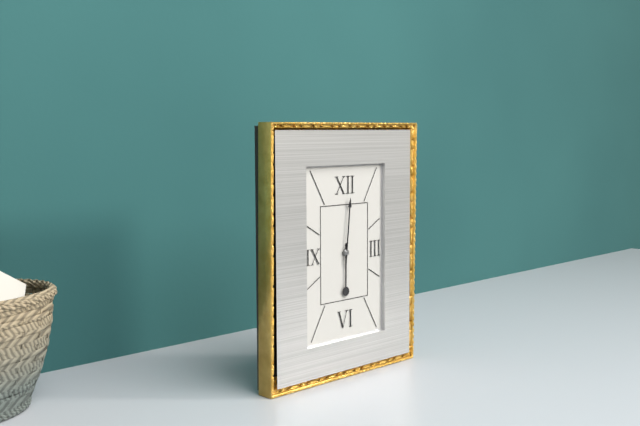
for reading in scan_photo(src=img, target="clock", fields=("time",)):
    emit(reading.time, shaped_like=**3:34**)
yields **6:01**
